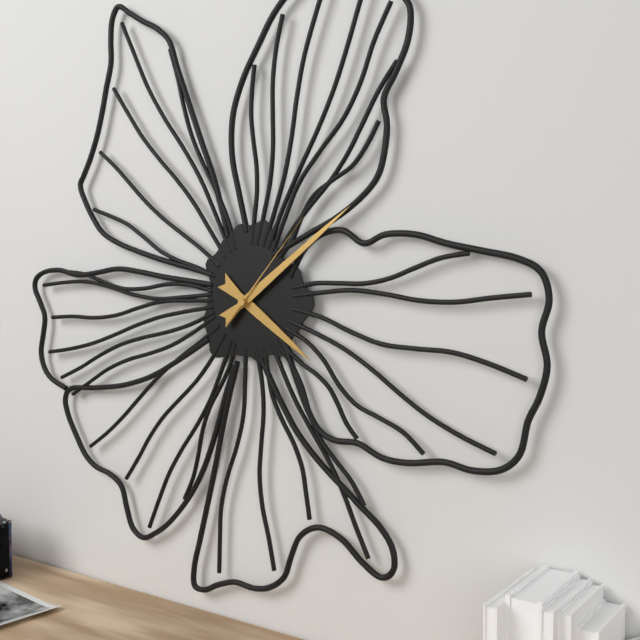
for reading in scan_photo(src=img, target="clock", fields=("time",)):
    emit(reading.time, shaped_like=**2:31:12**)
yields **4:09:07**
